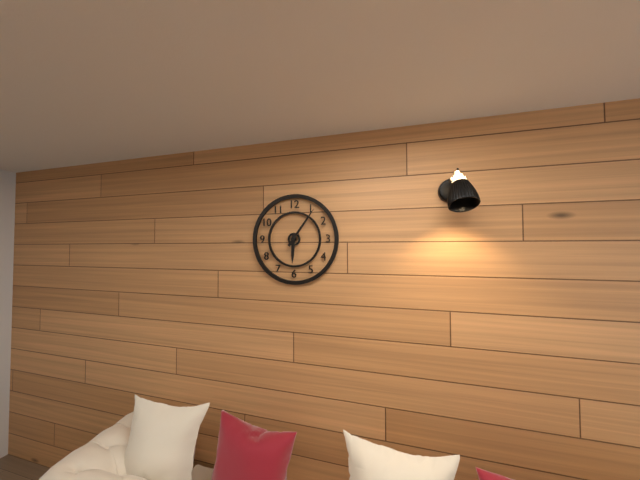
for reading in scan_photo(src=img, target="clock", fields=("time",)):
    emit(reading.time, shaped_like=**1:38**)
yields **6:06**
